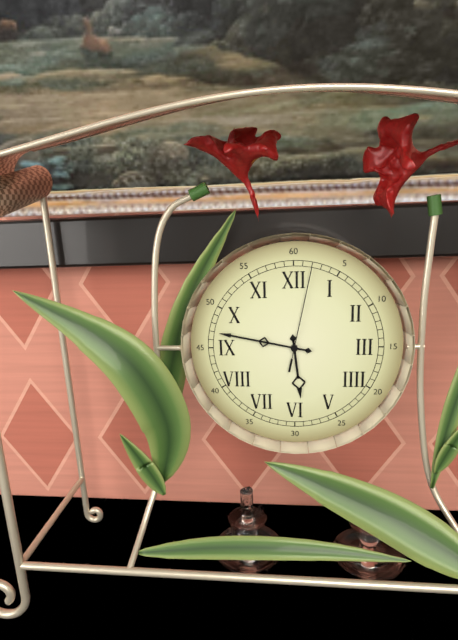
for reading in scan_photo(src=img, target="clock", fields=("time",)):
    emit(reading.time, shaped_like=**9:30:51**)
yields **5:47:02**
